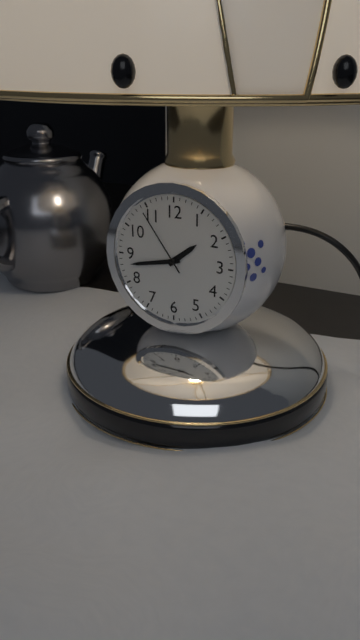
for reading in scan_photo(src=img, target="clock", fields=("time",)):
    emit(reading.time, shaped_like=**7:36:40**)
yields **1:43:54**
